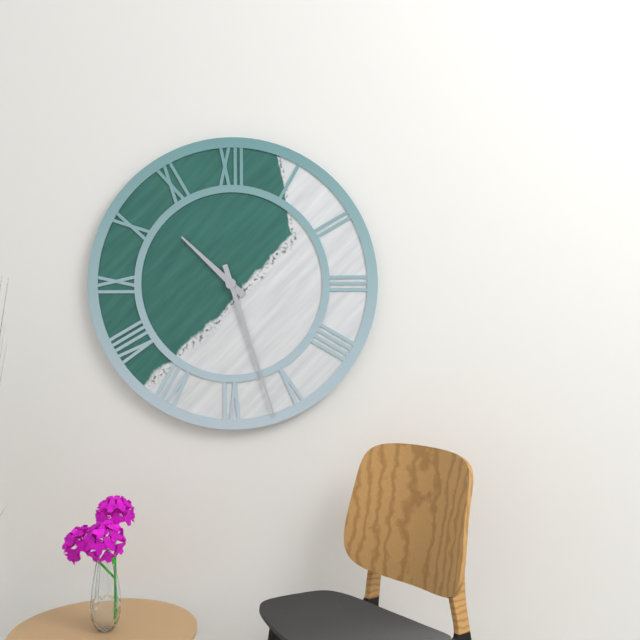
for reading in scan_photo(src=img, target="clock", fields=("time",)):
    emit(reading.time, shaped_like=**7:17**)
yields **10:27**
